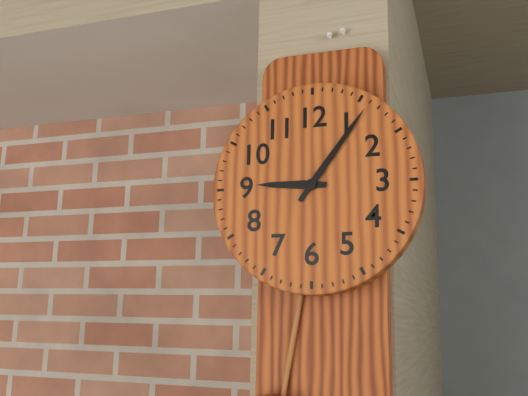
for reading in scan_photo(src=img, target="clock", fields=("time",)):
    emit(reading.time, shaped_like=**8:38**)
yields **9:06**
